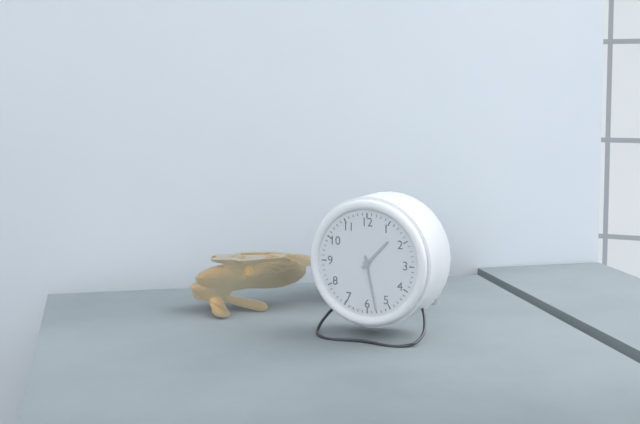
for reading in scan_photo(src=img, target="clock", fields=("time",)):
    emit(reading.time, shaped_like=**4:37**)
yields **1:28**
